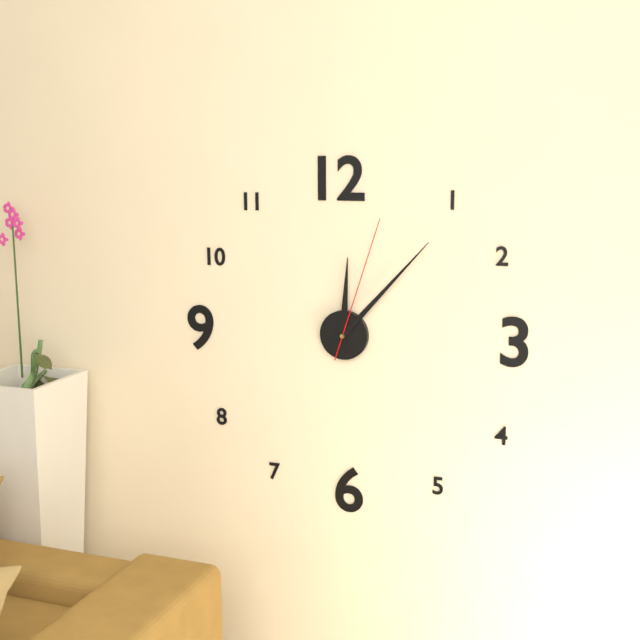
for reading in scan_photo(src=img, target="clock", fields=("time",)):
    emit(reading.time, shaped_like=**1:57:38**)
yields **12:07:03**
